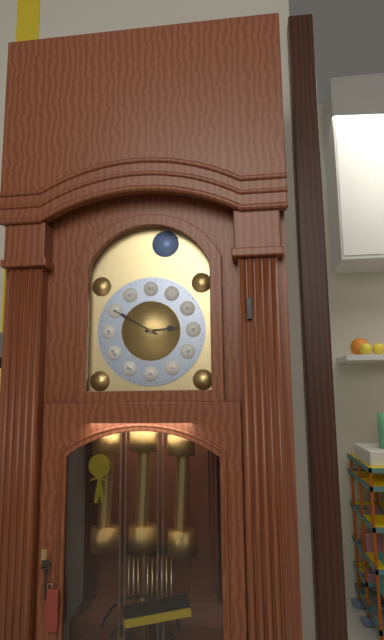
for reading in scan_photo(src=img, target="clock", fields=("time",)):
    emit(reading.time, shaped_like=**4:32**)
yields **2:50**
